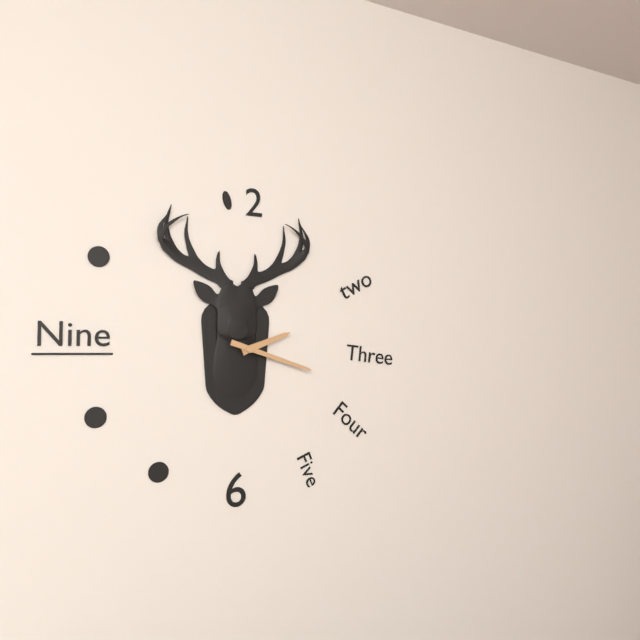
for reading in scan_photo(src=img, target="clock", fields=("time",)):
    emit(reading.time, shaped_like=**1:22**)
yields **2:18**
